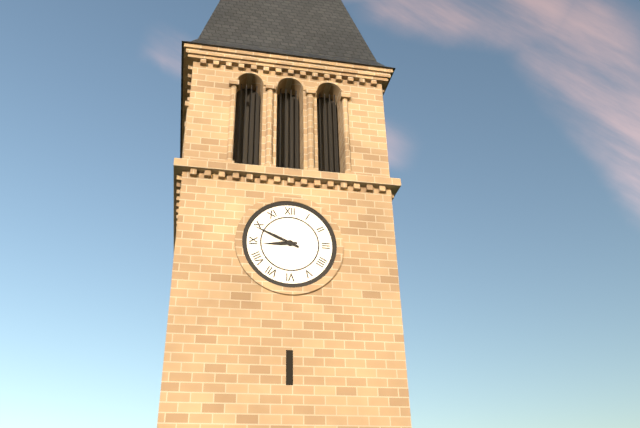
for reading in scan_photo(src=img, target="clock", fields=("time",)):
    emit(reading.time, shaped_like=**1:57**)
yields **8:49**
